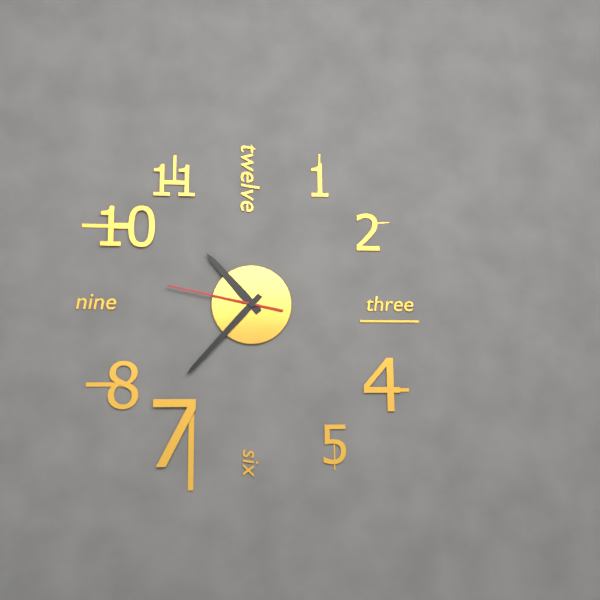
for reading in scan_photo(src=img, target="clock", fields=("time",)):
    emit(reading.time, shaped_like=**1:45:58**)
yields **10:37:47**
